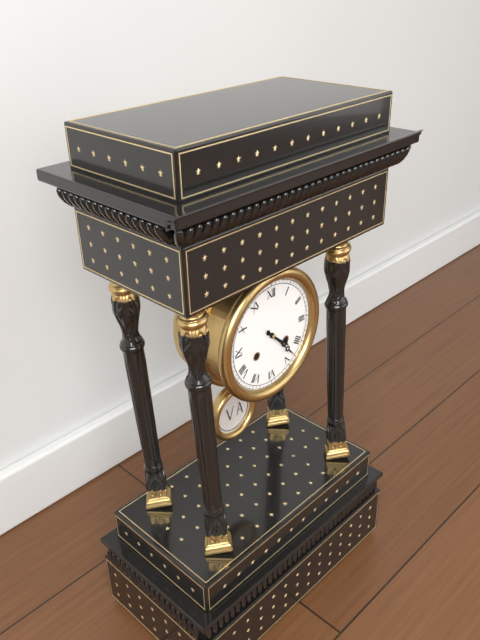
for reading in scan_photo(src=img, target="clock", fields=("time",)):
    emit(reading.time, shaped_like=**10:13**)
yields **4:23**
